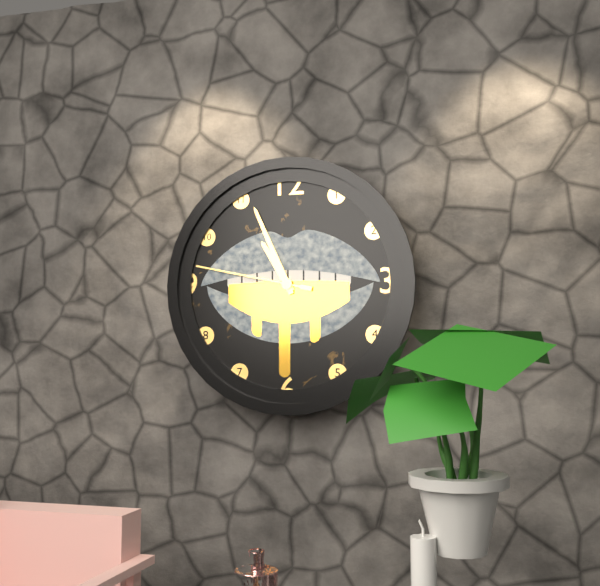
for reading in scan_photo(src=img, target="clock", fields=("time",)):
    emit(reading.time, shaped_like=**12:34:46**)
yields **10:56:47**
